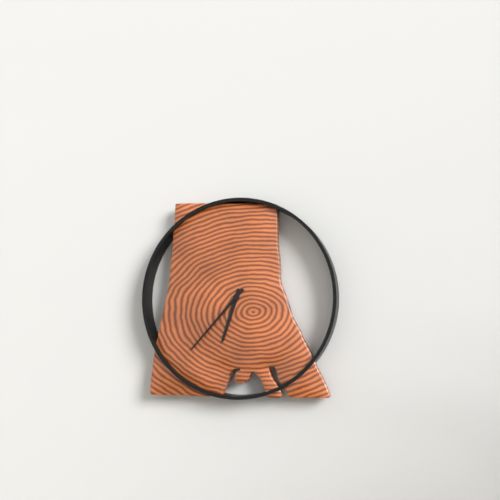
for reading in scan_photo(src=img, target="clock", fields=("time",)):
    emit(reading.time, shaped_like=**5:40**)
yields **6:37**
